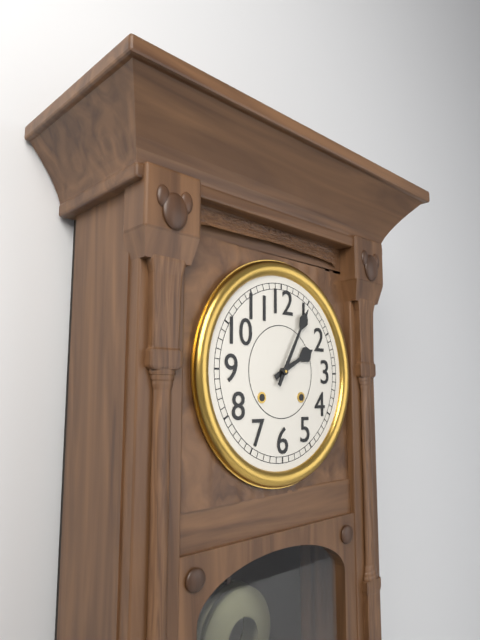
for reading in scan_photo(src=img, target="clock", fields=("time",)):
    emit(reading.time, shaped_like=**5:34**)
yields **2:05**
